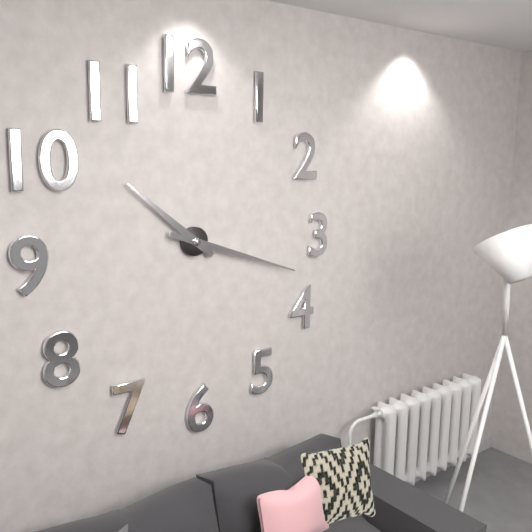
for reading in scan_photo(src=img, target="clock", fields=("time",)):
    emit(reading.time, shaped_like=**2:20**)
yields **10:18**
